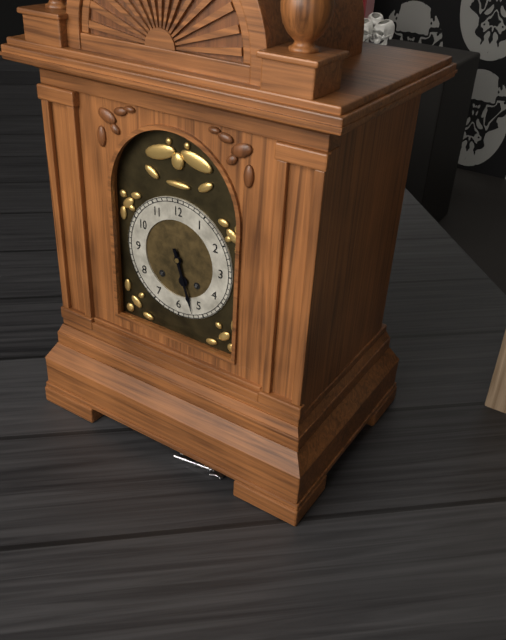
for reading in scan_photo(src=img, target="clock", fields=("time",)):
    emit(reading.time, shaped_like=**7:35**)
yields **5:27**
